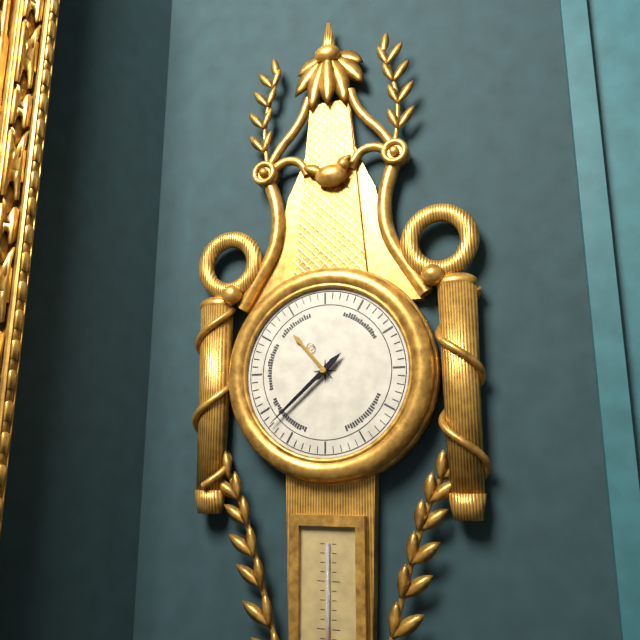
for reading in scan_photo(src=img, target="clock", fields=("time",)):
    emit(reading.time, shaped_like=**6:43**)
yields **10:38**
